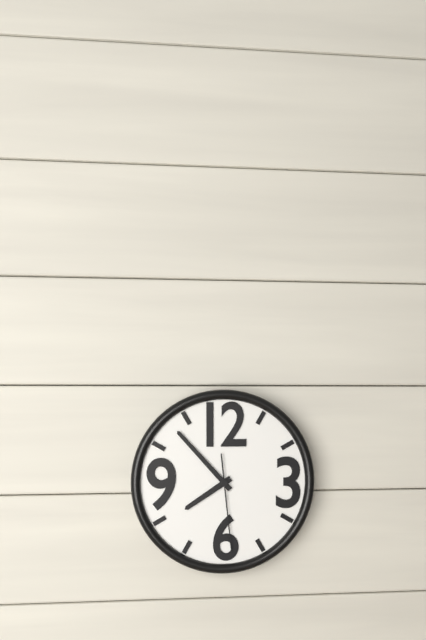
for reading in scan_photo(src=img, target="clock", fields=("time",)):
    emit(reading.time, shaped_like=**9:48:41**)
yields **7:53:29**
